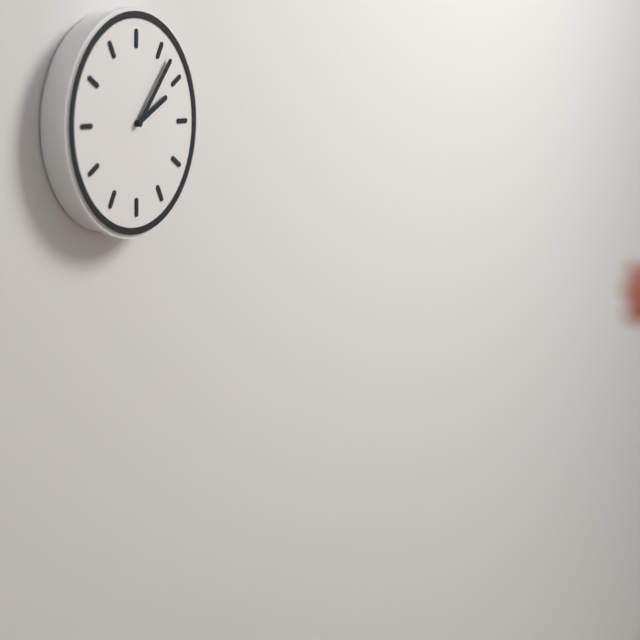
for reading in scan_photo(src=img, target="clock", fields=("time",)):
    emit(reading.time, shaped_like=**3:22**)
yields **2:07**
